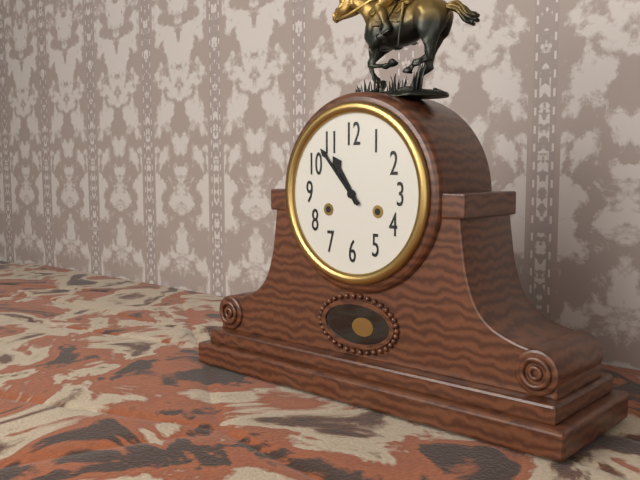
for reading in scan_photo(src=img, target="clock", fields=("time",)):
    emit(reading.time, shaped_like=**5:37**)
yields **10:53**
